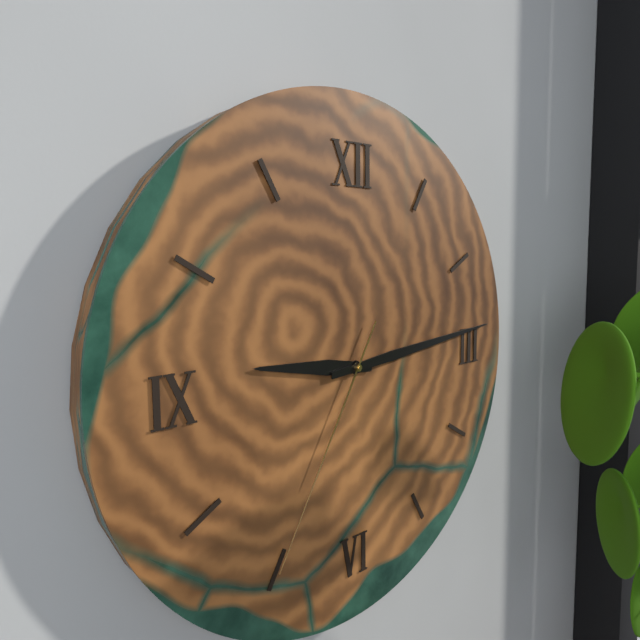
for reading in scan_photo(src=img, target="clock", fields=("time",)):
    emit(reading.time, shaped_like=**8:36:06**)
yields **9:14:35**
